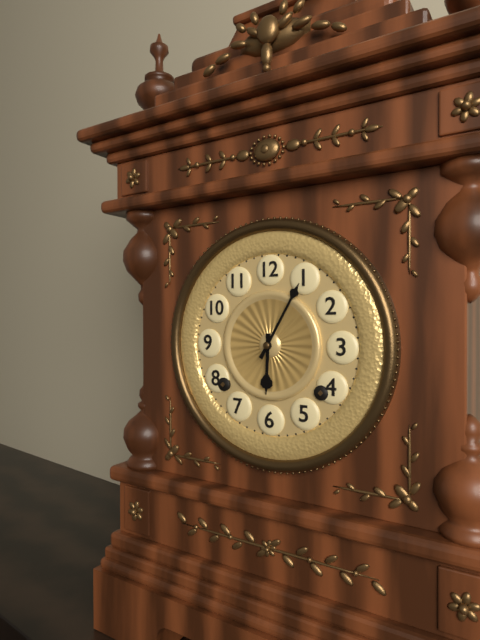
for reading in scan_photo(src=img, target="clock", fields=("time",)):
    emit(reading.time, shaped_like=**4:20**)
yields **6:05**
